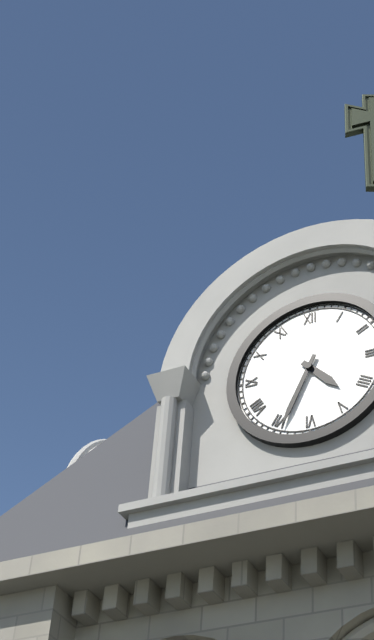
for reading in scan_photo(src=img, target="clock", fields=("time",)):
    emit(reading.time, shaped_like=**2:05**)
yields **4:34**
